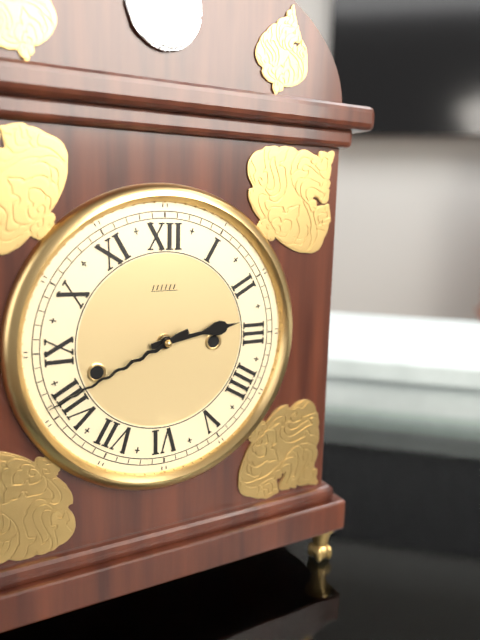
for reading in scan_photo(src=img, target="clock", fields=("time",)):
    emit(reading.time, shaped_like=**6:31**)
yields **2:41**
